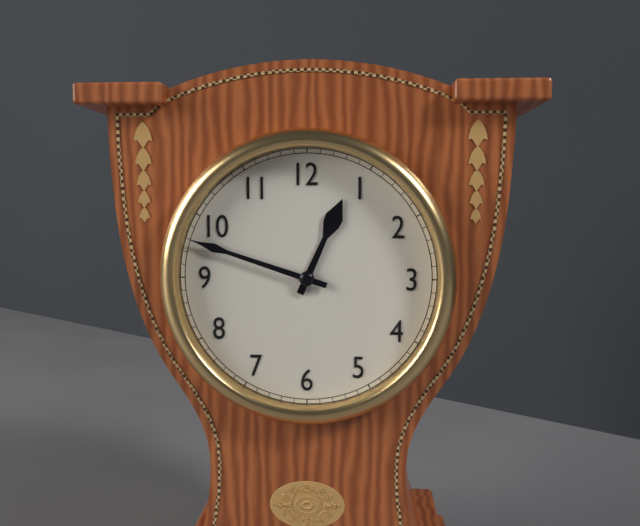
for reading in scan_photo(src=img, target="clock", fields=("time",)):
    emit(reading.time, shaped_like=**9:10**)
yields **12:48**
